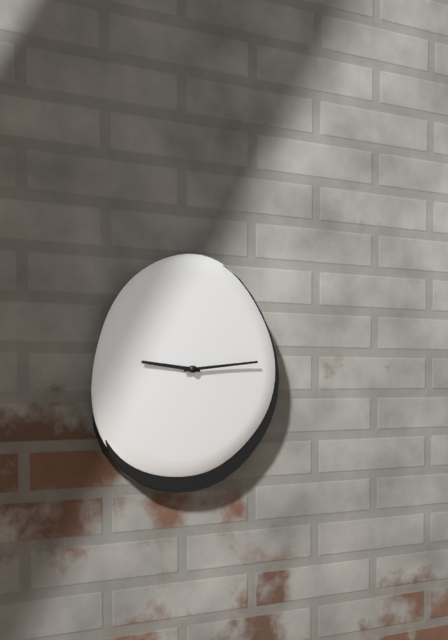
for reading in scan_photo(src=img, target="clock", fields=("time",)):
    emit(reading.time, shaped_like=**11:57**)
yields **9:14**
